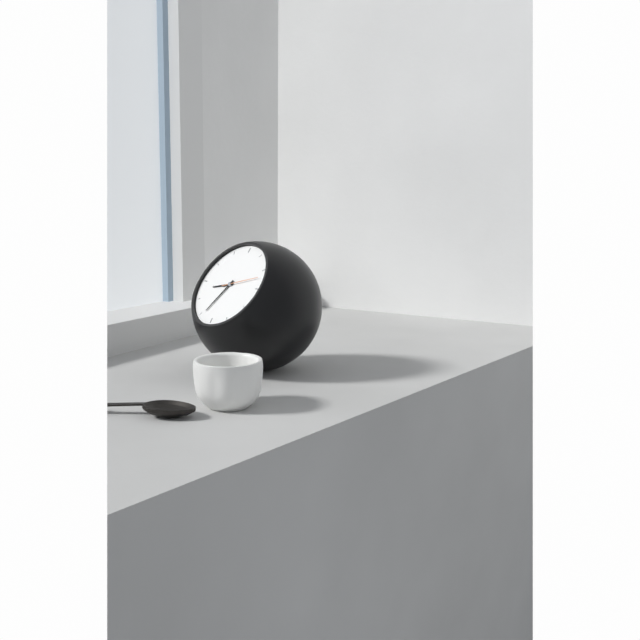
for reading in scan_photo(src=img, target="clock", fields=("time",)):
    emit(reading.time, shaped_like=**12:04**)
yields **8:34**
